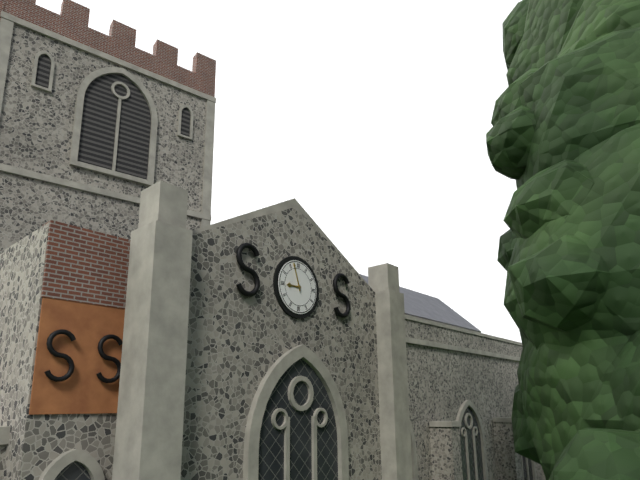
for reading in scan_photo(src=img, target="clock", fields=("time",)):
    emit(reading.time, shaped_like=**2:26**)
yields **8:57**
